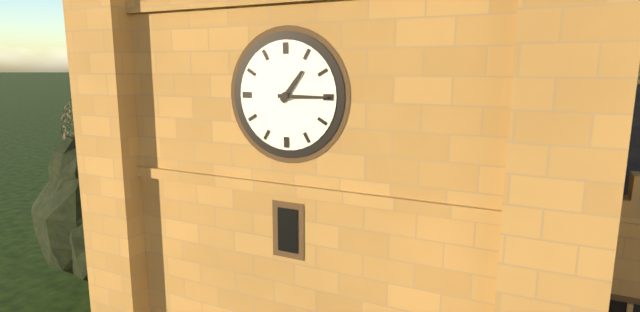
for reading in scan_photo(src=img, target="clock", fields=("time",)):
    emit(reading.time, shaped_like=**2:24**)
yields **1:15**
